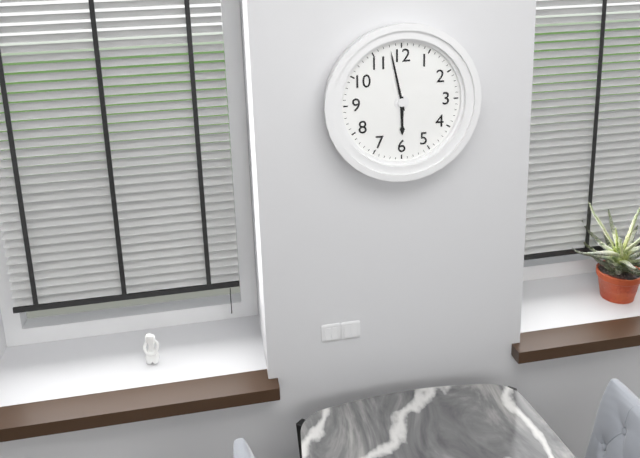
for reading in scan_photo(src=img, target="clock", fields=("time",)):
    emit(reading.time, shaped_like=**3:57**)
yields **5:58**
